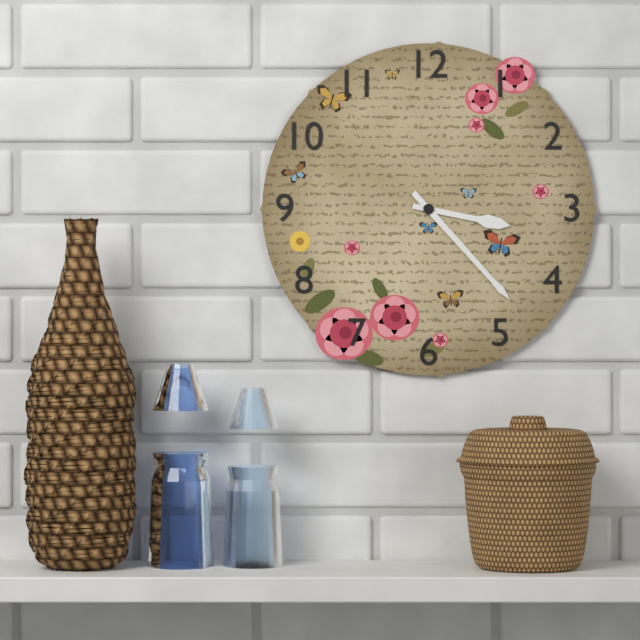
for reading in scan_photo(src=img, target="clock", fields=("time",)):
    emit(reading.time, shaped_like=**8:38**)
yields **3:23**
